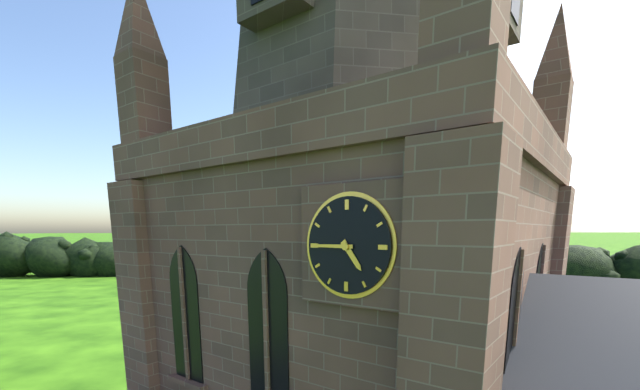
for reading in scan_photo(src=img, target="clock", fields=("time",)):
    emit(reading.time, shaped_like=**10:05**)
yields **4:45**
